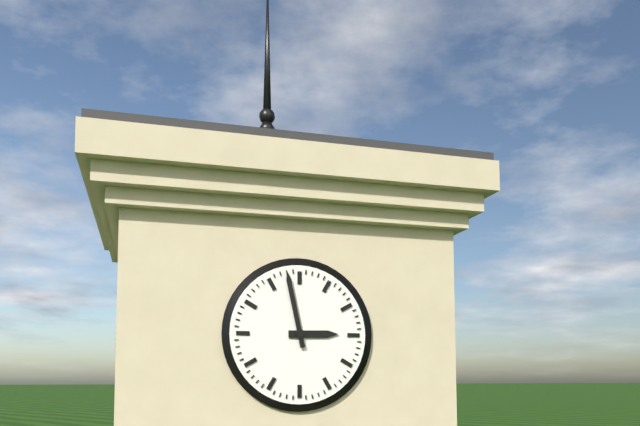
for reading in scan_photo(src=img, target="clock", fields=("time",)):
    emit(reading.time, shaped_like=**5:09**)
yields **2:58**
